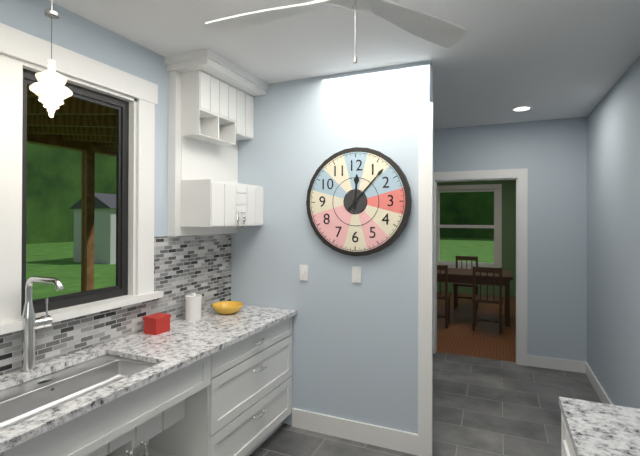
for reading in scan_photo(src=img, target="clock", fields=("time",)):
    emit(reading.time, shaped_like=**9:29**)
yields **12:07**
